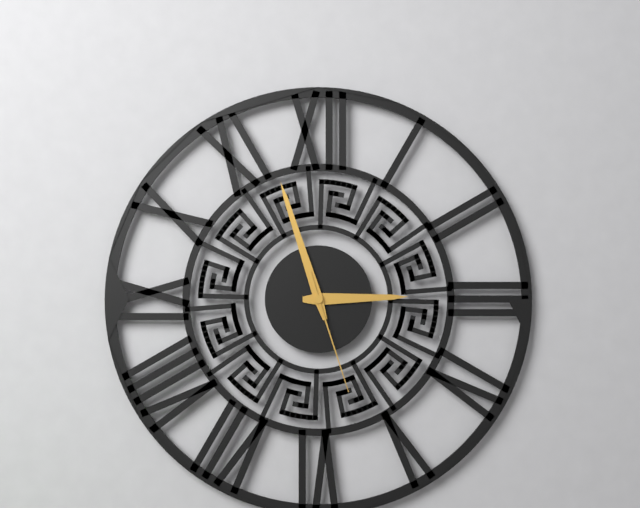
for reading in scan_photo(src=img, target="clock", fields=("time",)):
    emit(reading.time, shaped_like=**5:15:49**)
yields **2:57:27**
